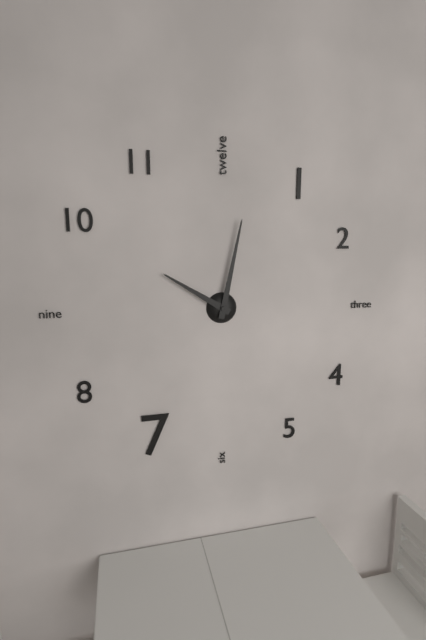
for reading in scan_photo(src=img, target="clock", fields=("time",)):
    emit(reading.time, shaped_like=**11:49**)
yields **10:02**
